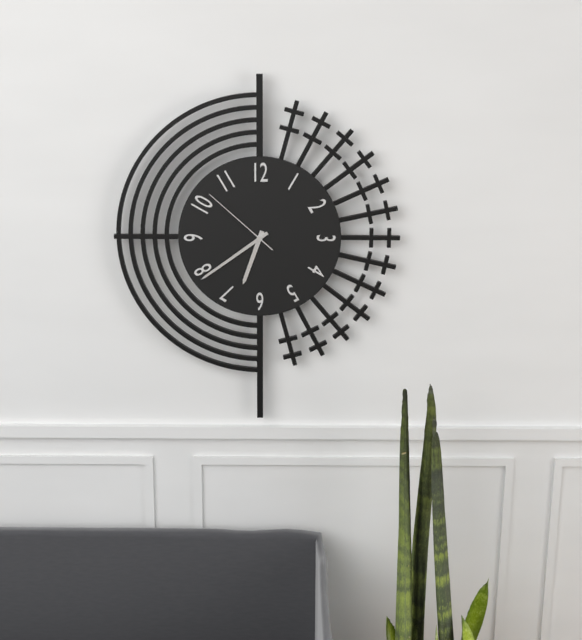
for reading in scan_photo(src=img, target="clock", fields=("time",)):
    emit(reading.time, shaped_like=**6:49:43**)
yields **6:39:52**
